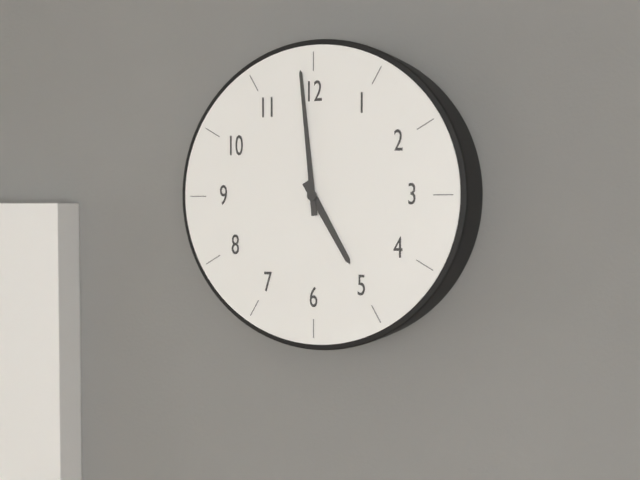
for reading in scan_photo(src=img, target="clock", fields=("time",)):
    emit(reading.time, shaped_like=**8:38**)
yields **4:59**
